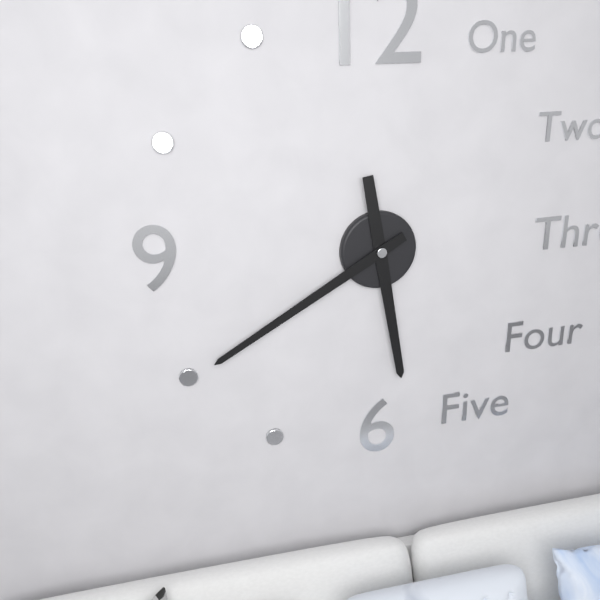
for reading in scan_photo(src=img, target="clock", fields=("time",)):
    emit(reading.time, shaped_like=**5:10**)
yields **5:40**
